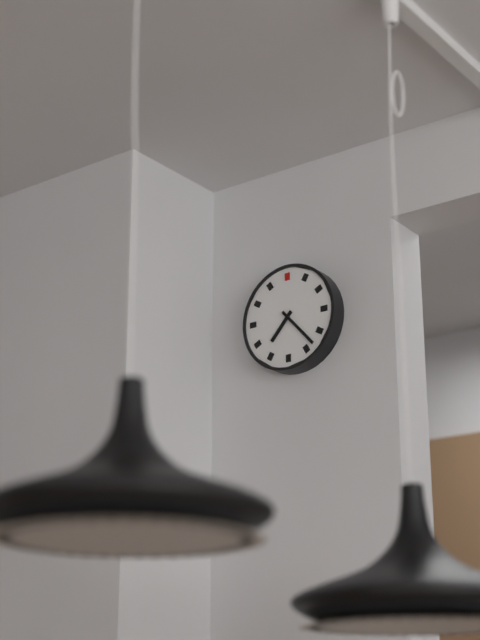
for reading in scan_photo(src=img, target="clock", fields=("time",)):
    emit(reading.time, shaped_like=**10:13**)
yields **7:23**
